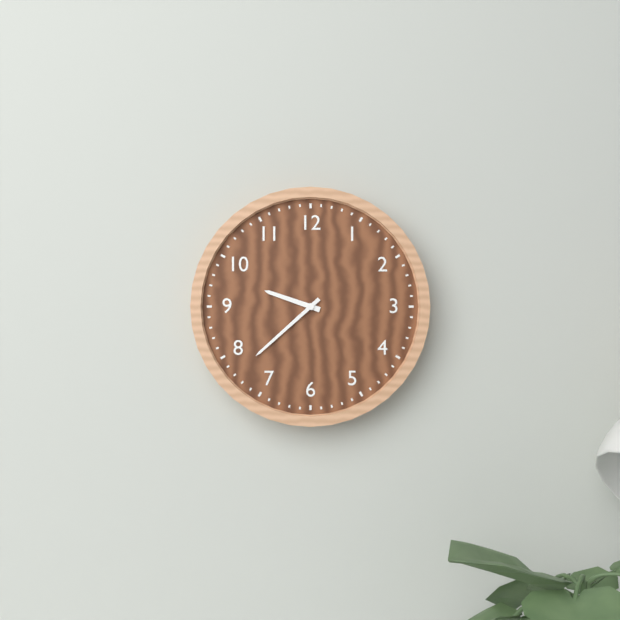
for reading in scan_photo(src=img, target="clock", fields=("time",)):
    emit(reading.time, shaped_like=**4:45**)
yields **9:38**
